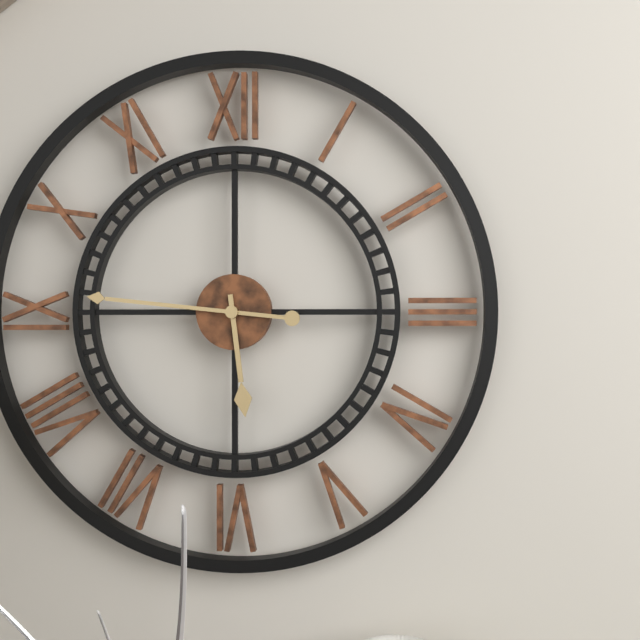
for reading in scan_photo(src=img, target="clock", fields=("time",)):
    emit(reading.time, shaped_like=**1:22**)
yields **5:46**
